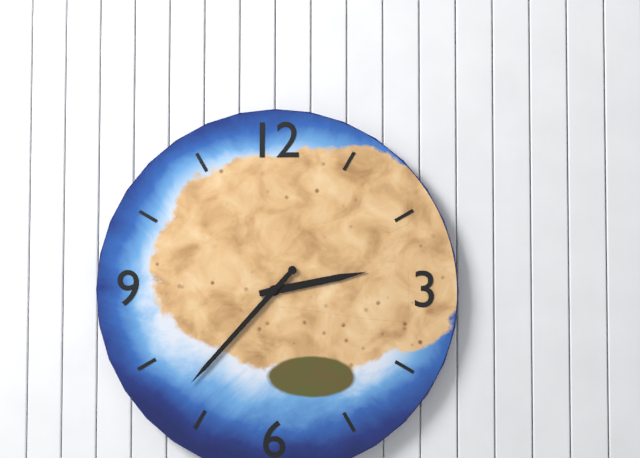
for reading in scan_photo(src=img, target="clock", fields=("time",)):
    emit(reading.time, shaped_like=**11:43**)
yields **2:37**
